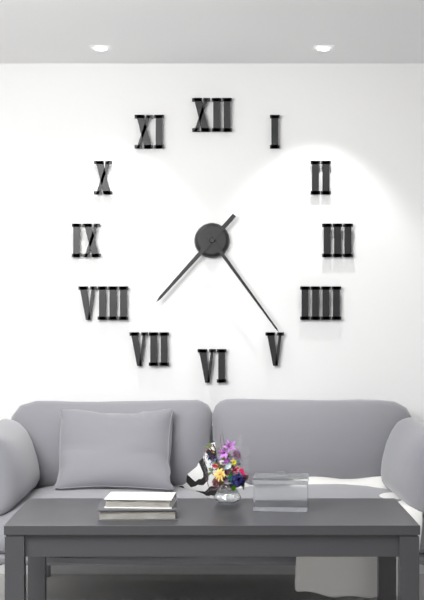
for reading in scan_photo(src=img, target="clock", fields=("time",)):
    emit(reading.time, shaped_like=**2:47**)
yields **7:24**
